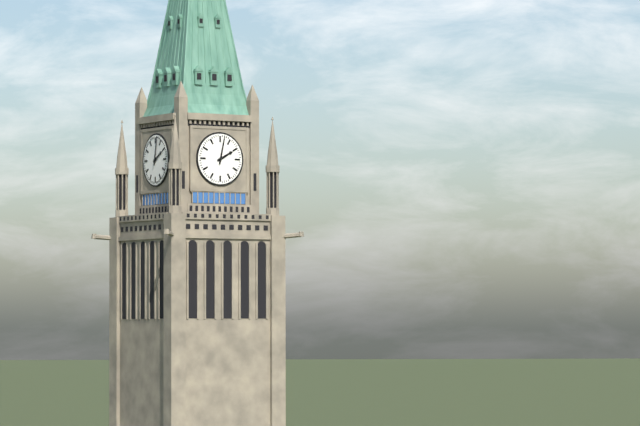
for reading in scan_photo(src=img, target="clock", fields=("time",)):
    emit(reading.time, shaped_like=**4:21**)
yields **2:02**
